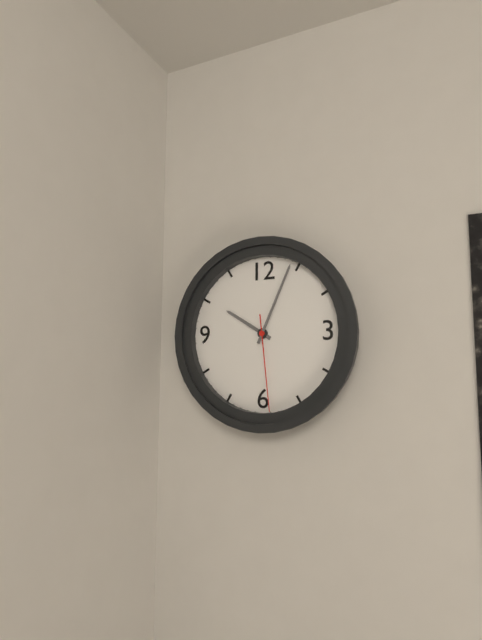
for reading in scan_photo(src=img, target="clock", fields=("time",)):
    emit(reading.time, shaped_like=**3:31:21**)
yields **10:04:29**
